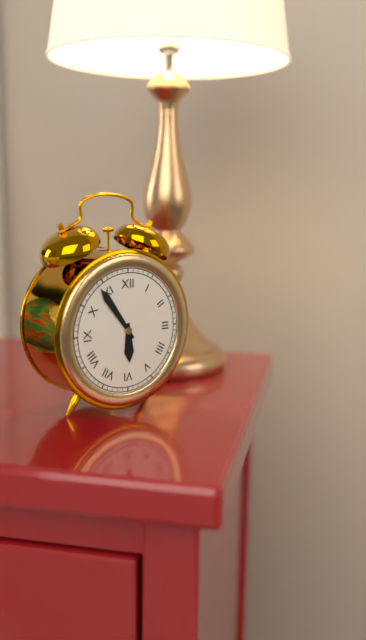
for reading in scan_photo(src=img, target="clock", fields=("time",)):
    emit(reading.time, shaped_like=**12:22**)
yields **5:54**
